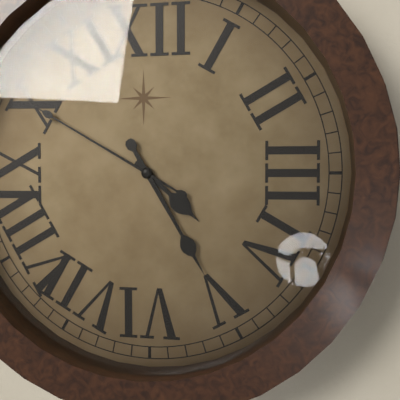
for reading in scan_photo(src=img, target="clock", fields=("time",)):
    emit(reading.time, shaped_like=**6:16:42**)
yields **4:25:50**
